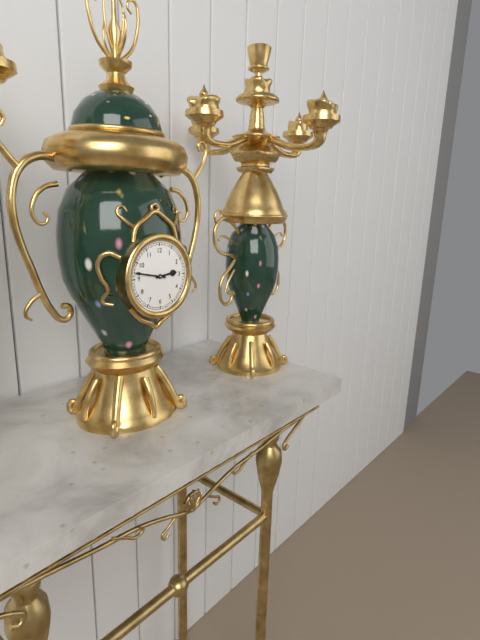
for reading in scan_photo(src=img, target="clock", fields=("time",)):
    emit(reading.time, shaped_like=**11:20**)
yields **2:47**
